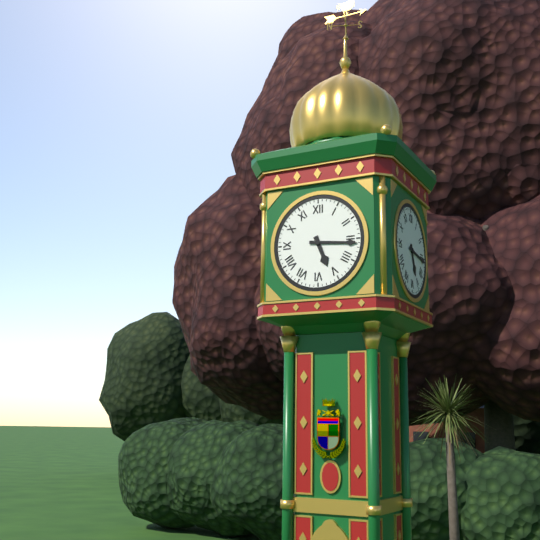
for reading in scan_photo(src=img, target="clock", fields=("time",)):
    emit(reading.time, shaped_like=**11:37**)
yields **5:16**
